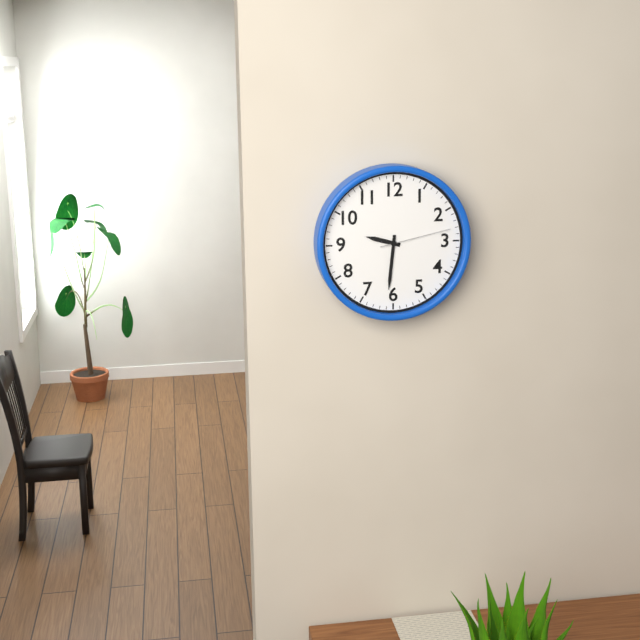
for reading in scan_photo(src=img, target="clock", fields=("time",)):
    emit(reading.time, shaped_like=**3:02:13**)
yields **9:31:13**
